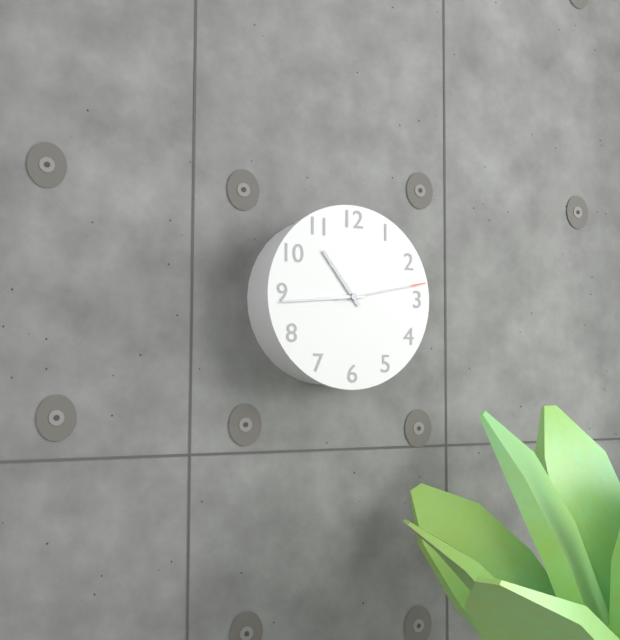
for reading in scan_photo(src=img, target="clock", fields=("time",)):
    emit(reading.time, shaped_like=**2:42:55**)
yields **10:44:13**
